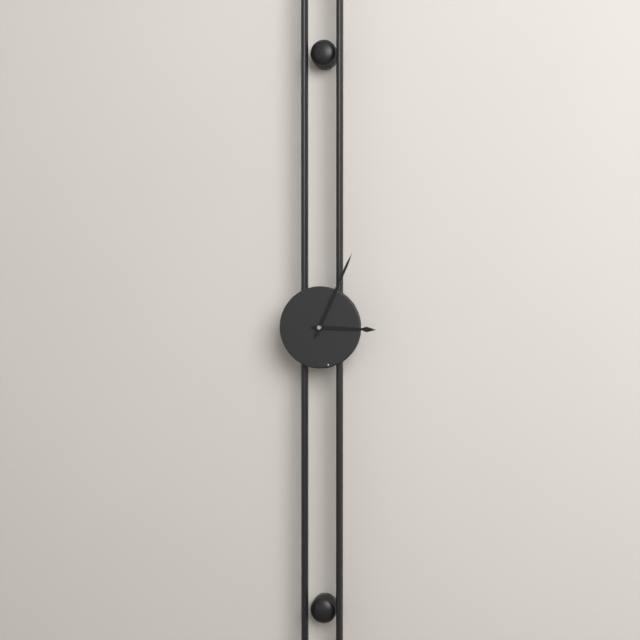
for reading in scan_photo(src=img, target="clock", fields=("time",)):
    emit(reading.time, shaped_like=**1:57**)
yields **3:04**
